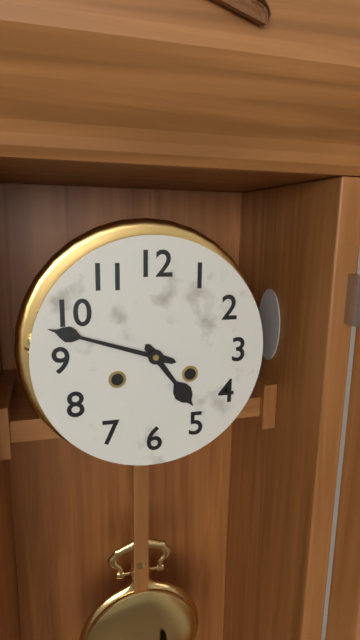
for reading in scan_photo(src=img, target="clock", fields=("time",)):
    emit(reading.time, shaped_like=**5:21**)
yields **4:48**
